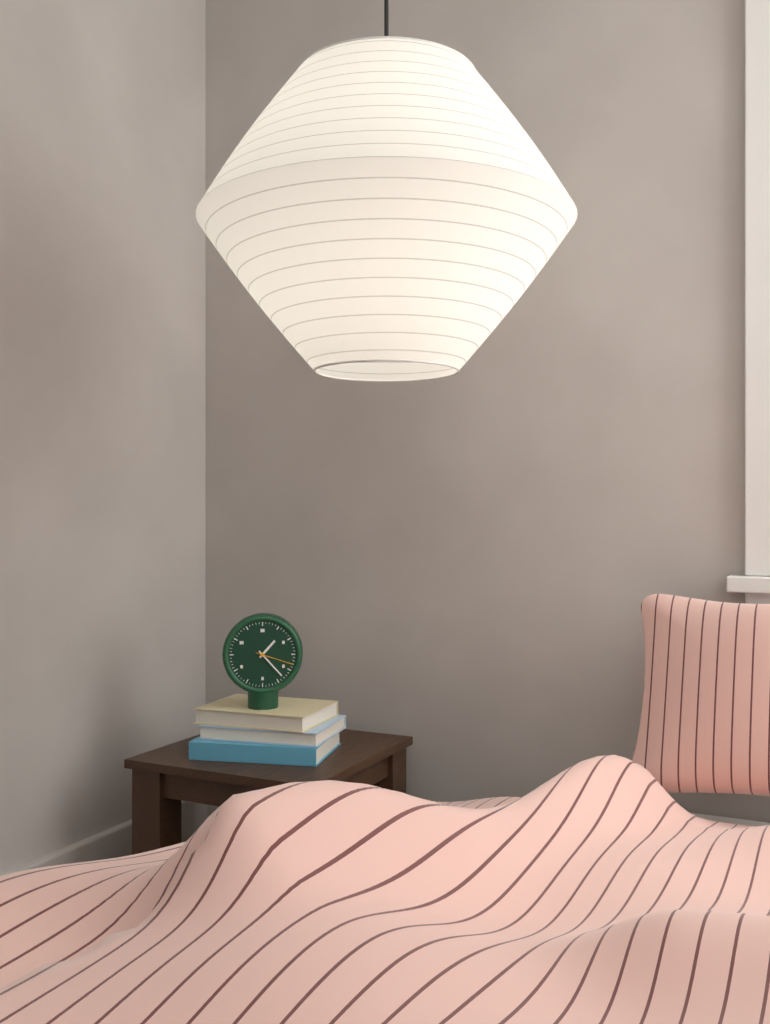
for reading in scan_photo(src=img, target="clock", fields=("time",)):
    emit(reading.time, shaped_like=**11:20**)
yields **1:23**
